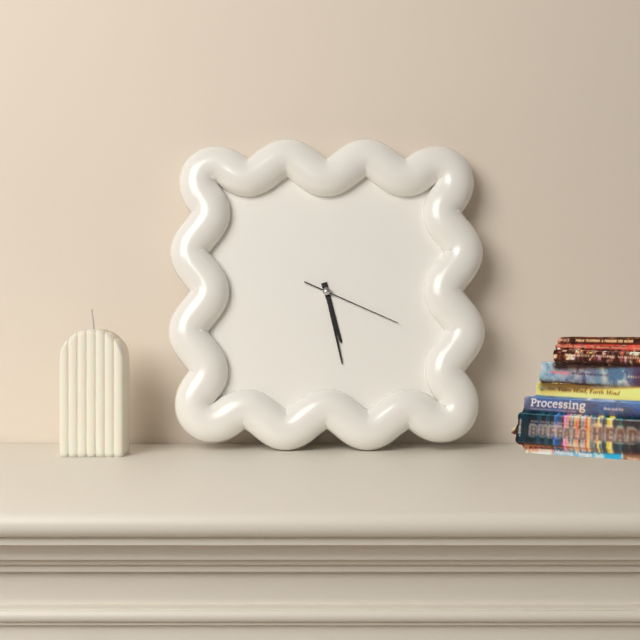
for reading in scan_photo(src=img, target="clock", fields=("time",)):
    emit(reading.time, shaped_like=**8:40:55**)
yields **5:28:19**
